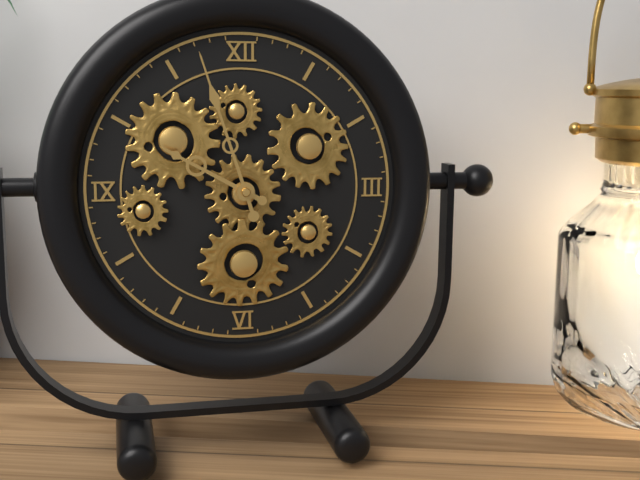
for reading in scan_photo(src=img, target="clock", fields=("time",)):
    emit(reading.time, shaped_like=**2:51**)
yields **9:57**
